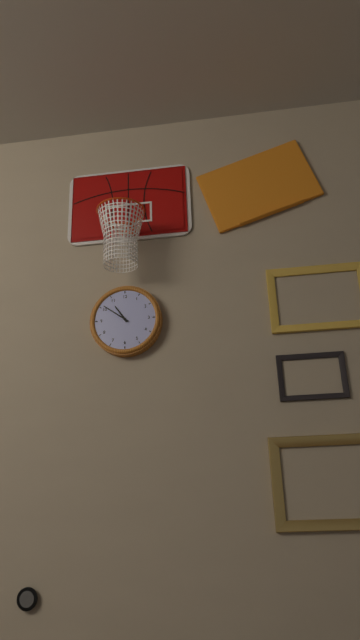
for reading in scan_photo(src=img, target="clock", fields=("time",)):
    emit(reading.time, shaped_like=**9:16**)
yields **10:51**
